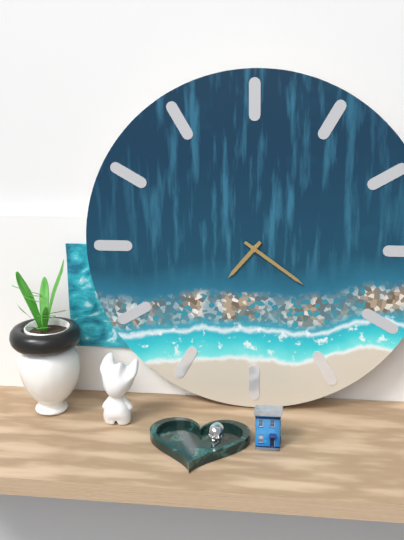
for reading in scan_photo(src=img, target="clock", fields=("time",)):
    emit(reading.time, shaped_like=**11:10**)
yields **7:21**
